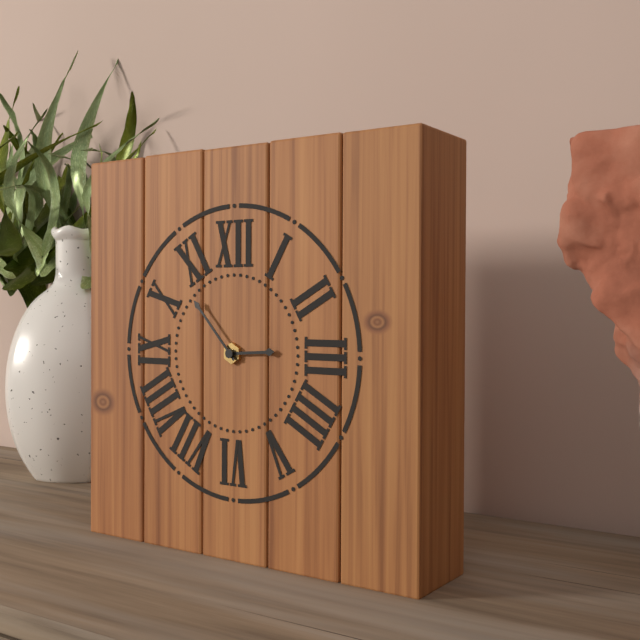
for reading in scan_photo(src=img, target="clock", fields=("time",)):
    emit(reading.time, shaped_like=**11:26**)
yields **2:53**
